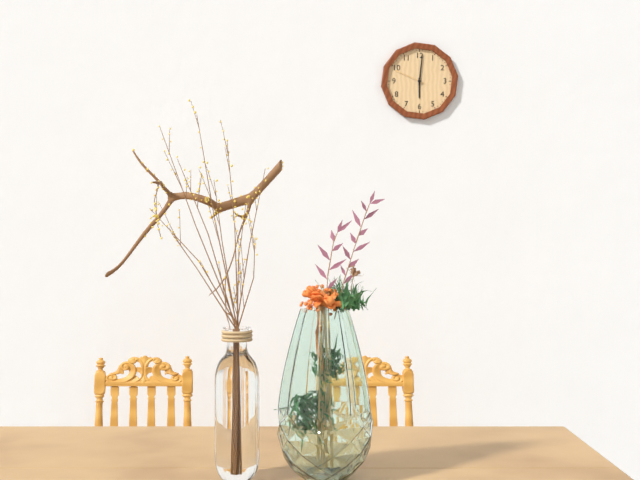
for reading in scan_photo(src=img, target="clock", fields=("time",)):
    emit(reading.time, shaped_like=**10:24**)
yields **6:01**
